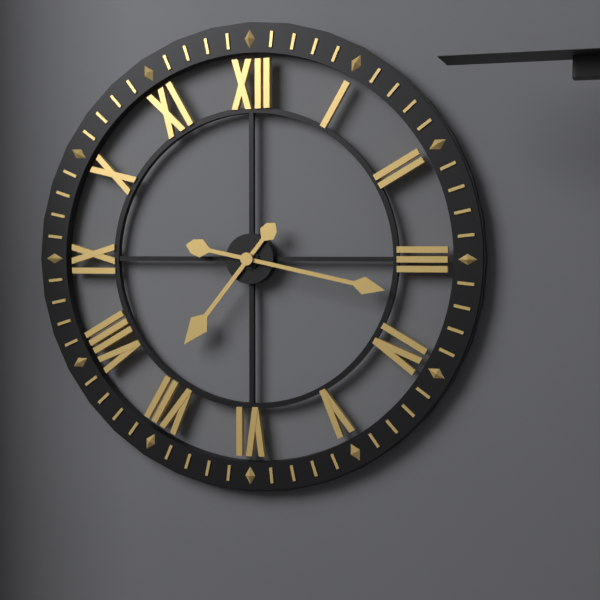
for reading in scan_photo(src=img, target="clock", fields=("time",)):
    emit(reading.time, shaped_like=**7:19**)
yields **7:17**
